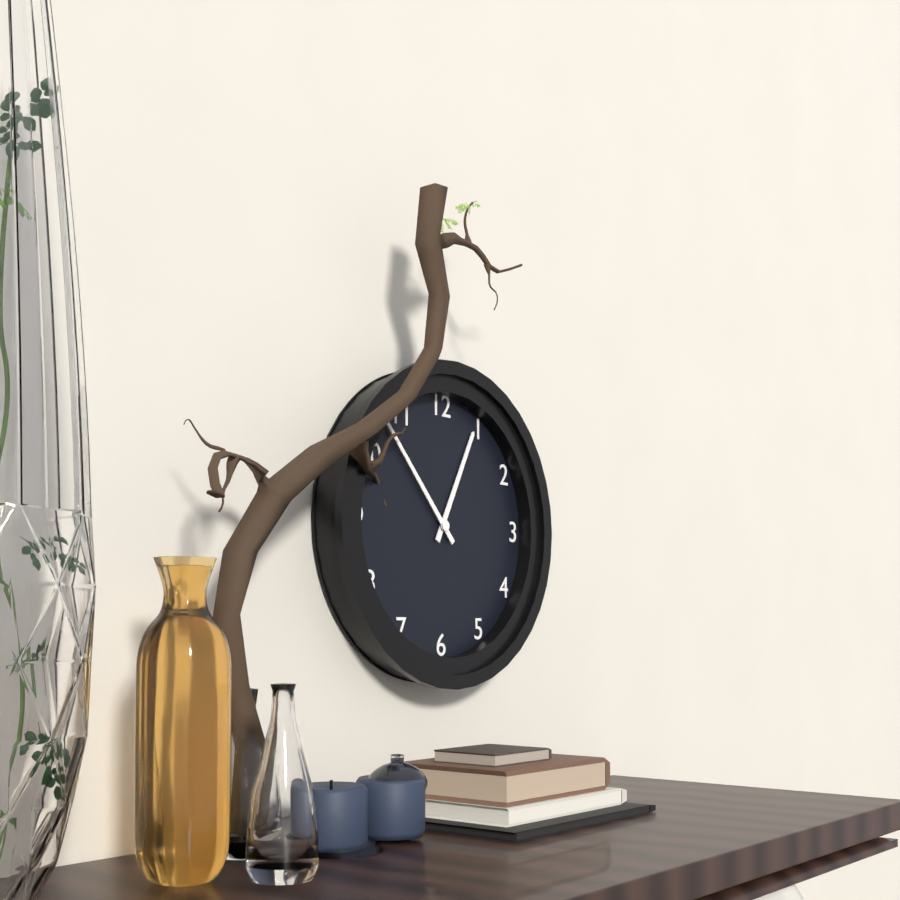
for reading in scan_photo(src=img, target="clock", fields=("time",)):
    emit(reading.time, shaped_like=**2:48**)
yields **12:53**
